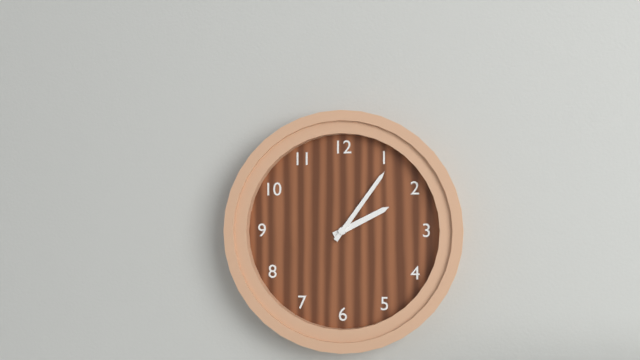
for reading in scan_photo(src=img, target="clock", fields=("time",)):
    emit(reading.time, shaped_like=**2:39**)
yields **2:06**
